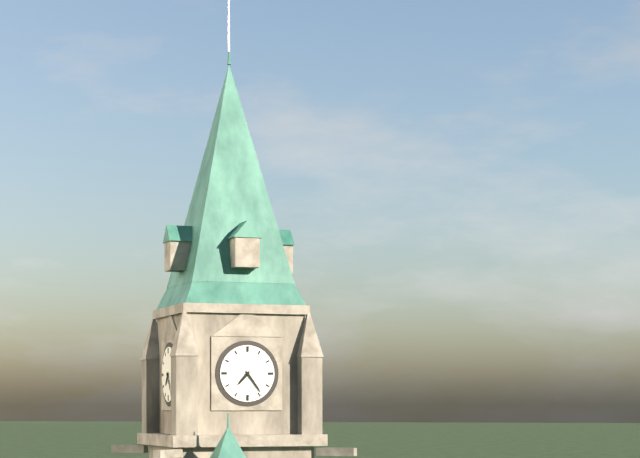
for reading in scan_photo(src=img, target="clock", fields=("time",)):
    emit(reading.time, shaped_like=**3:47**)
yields **7:24**
